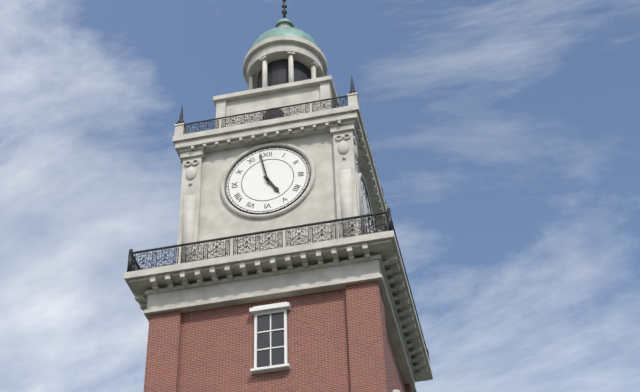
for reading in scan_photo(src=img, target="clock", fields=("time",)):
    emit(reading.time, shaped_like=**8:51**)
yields **4:58**
